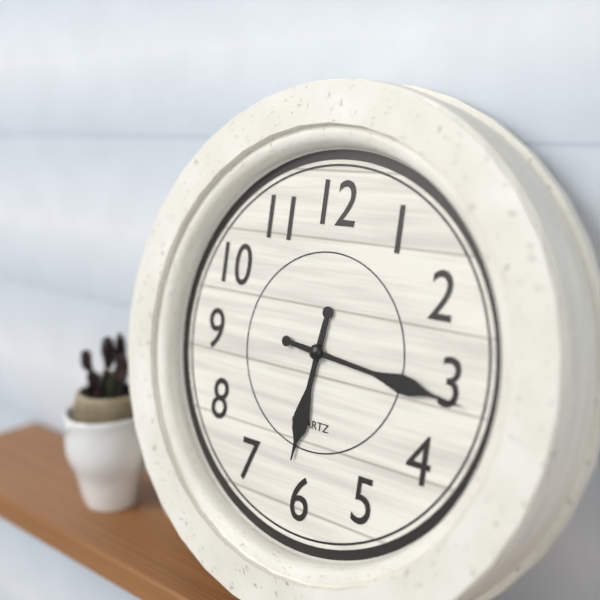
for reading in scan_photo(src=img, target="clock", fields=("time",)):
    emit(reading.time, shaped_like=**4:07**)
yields **6:16**
